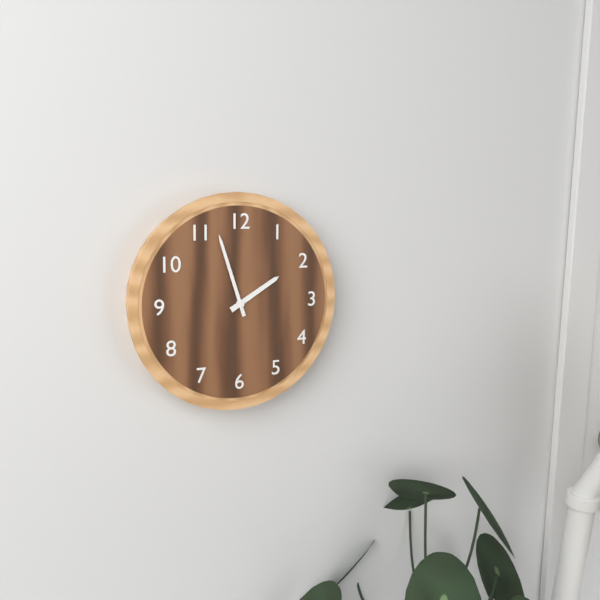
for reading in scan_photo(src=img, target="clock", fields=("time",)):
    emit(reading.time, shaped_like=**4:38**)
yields **1:57**
